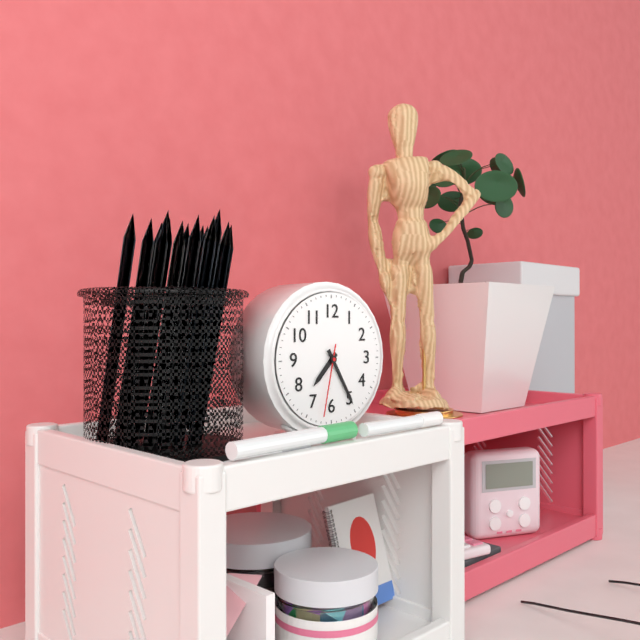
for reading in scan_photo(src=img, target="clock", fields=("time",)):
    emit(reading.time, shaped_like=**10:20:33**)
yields **7:25:32**
